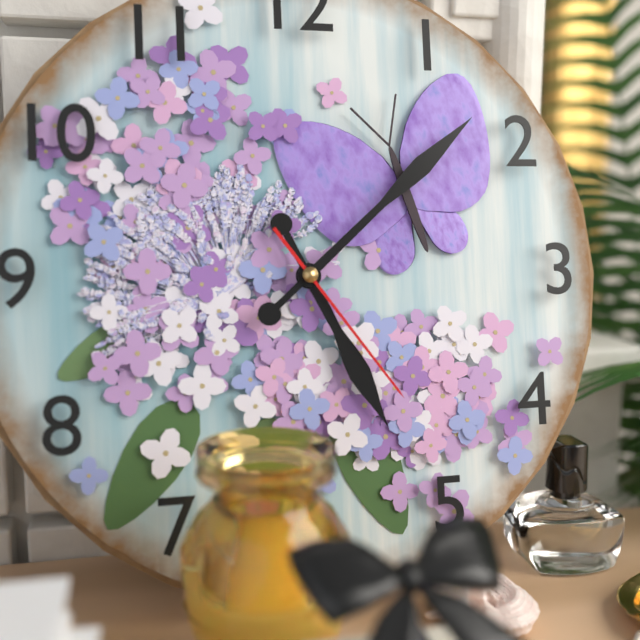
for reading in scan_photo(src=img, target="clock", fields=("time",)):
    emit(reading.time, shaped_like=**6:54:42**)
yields **5:08:24**
